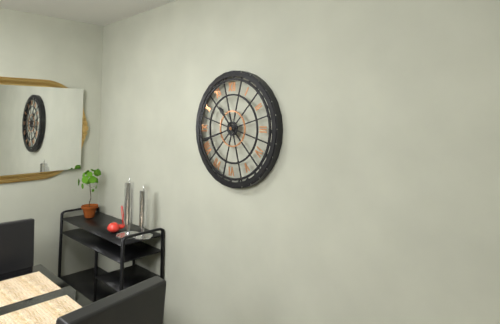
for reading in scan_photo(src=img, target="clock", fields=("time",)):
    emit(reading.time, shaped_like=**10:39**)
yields **10:42**
